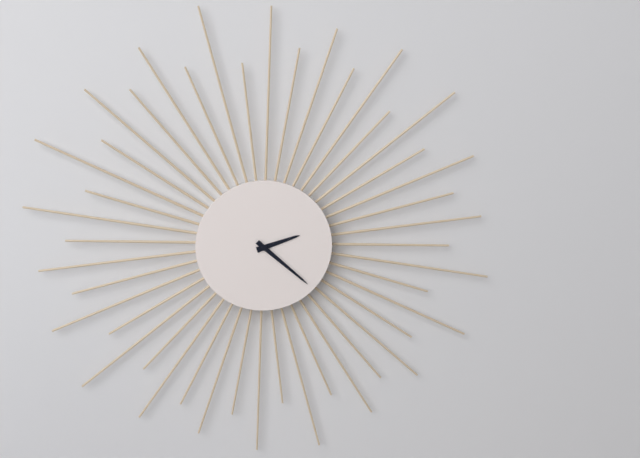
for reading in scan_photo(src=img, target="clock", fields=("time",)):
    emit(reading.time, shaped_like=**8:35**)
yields **2:22**
